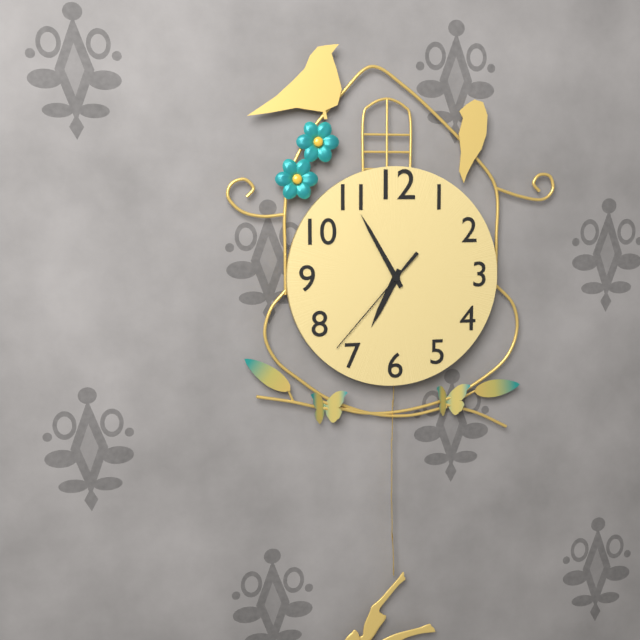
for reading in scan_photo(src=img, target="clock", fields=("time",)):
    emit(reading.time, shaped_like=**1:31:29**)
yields **6:55:37**
